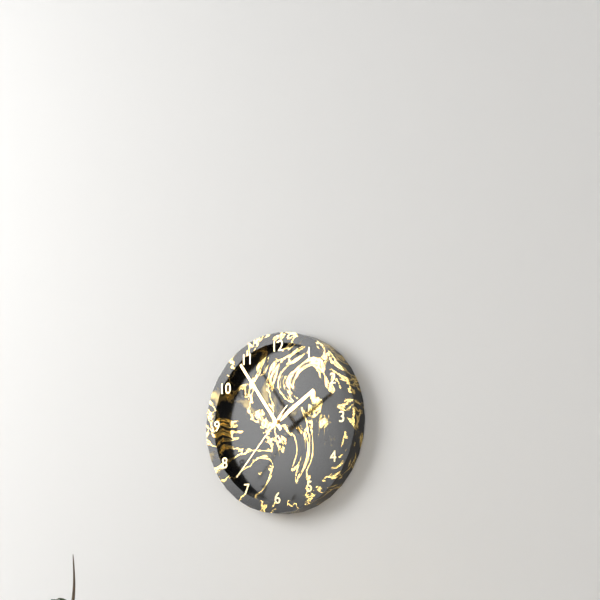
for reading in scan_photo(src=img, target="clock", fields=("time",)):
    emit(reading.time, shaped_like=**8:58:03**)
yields **1:54:37**
